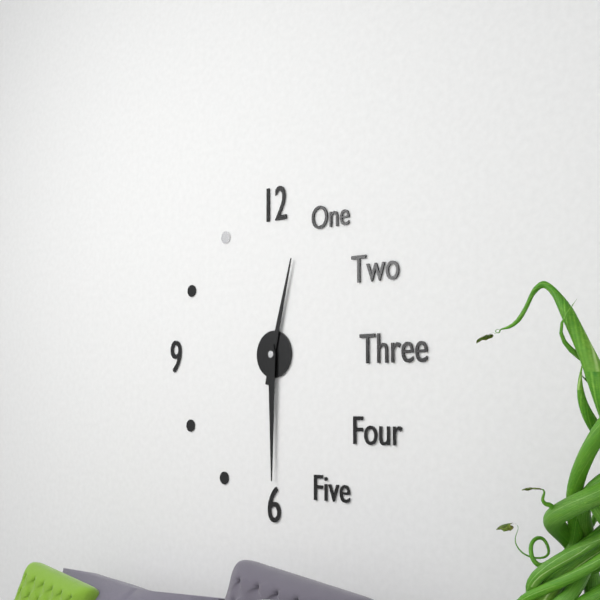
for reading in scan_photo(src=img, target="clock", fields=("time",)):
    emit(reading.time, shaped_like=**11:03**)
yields **12:30**
